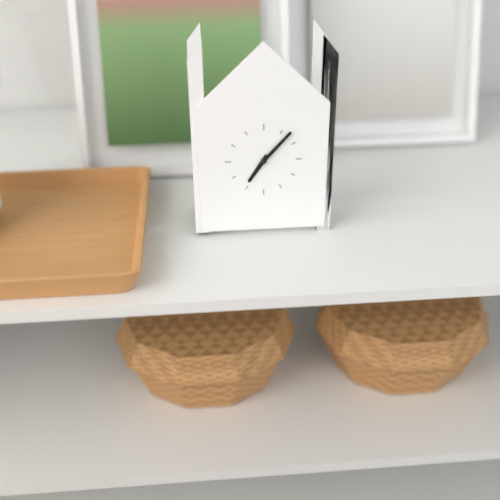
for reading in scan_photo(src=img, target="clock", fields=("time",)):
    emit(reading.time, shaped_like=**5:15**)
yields **7:07**
